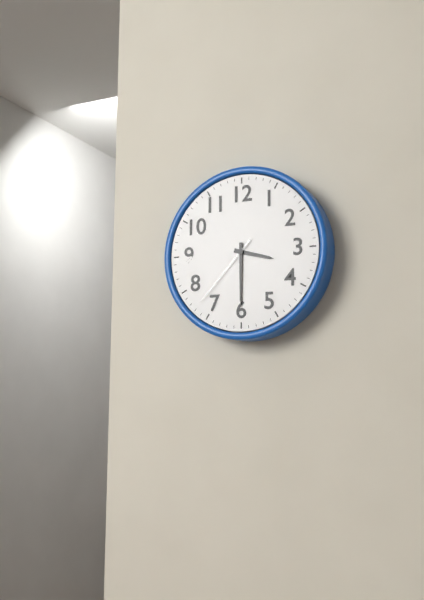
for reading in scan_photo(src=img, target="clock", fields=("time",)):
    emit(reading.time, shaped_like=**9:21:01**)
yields **3:30:37**
